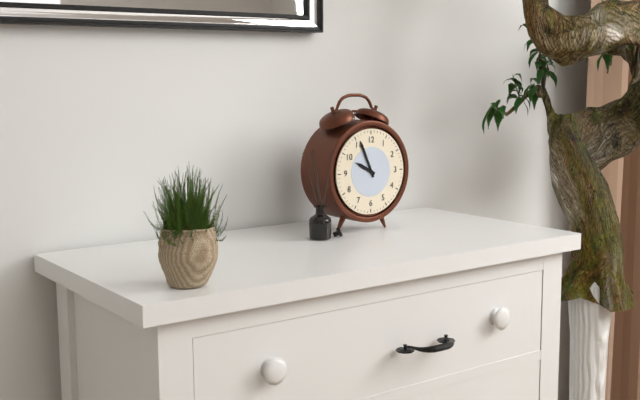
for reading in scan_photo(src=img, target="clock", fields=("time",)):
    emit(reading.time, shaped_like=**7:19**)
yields **9:56**
